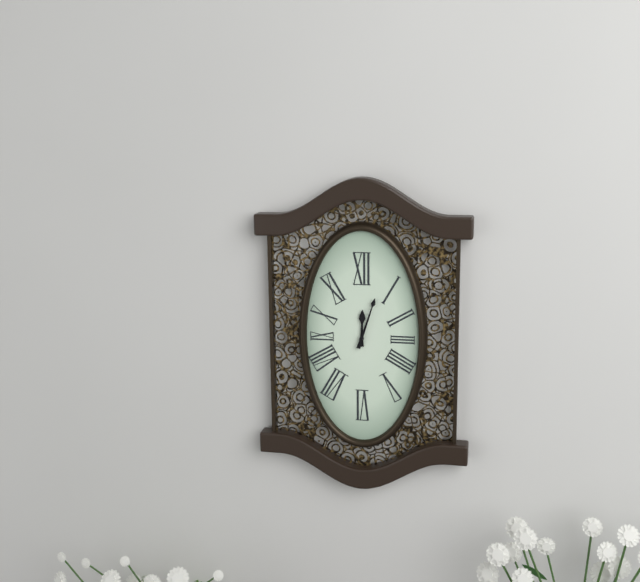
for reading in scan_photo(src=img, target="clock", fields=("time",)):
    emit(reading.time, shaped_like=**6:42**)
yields **12:03**
